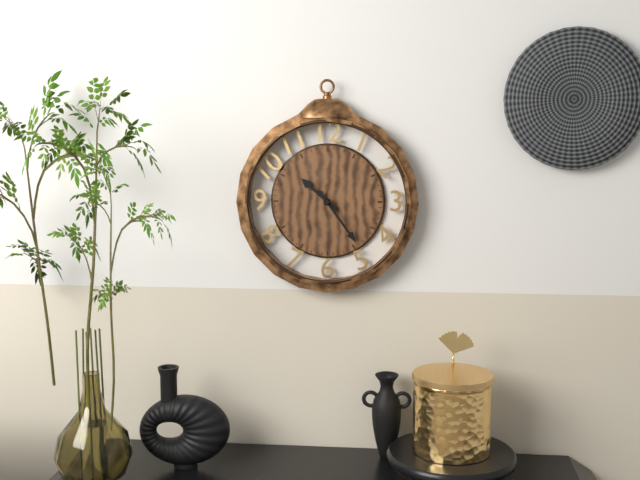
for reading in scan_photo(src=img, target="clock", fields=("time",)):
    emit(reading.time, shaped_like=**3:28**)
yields **10:24**
